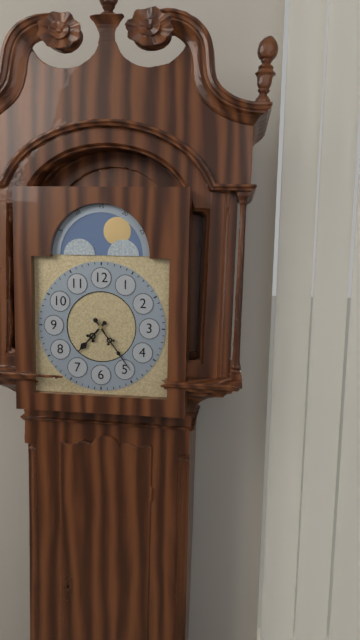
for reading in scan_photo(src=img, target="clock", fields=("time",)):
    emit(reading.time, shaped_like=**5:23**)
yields **7:24**
